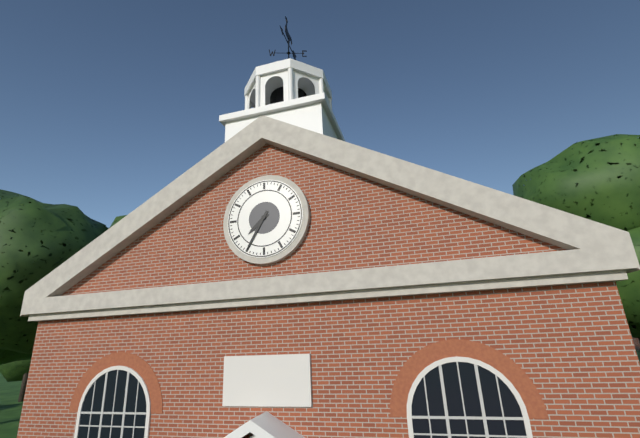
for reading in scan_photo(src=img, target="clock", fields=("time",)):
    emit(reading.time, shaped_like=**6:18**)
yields **7:35**
